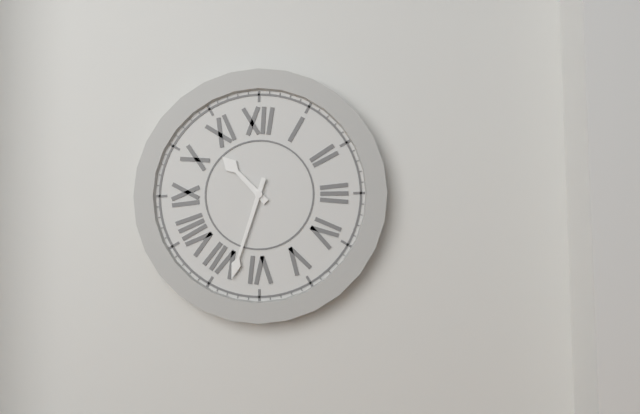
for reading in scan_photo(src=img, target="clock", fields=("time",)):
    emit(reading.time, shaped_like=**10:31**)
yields **10:33**
